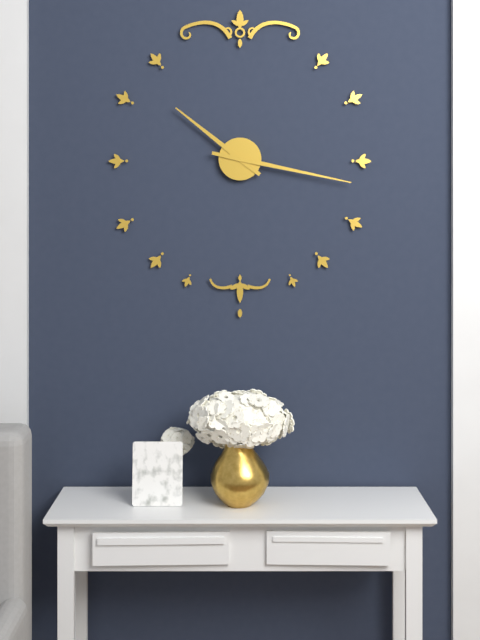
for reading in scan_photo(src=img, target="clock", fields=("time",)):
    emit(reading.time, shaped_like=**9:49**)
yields **10:17**
